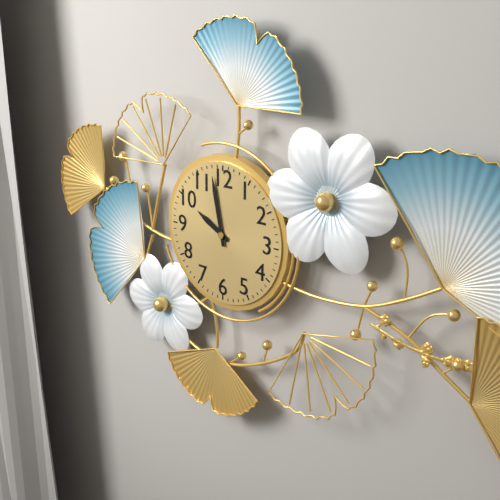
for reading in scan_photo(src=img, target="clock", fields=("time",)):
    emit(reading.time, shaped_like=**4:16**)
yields **9:58**
